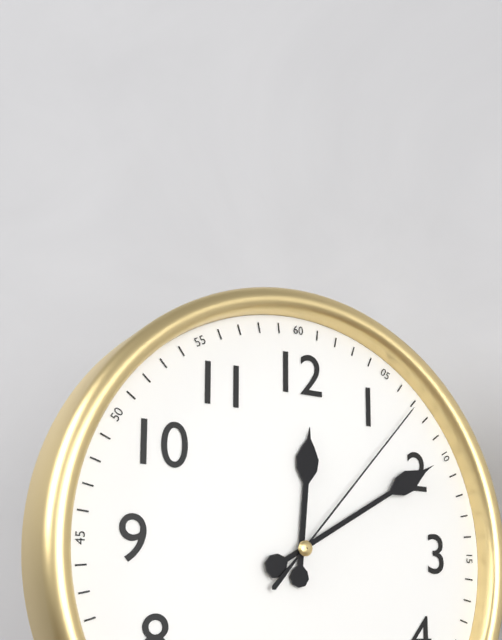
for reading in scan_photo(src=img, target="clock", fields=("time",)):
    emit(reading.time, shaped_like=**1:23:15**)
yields **12:10:07**
